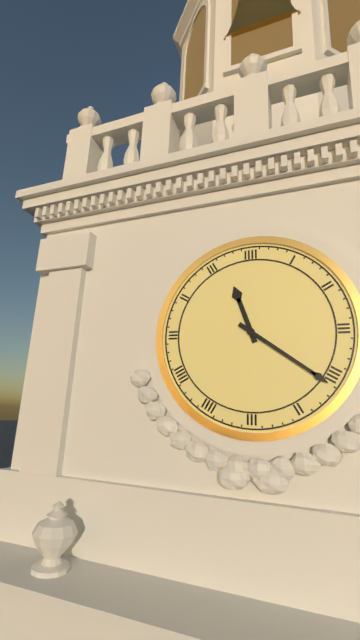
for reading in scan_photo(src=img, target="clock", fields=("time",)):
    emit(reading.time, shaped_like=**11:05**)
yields **11:21**
